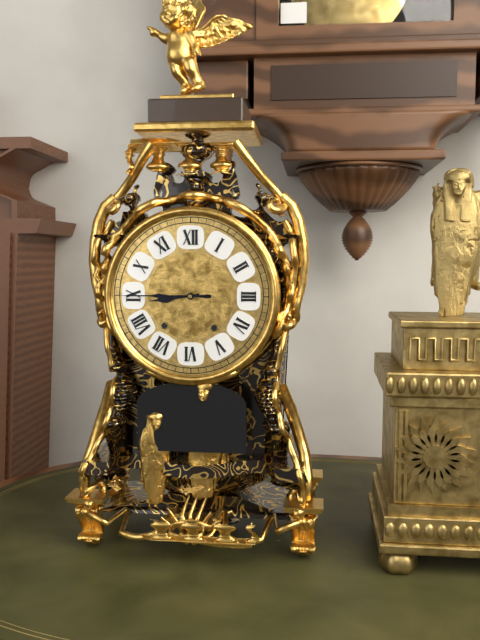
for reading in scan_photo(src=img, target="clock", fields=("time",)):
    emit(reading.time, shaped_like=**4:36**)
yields **8:45**
